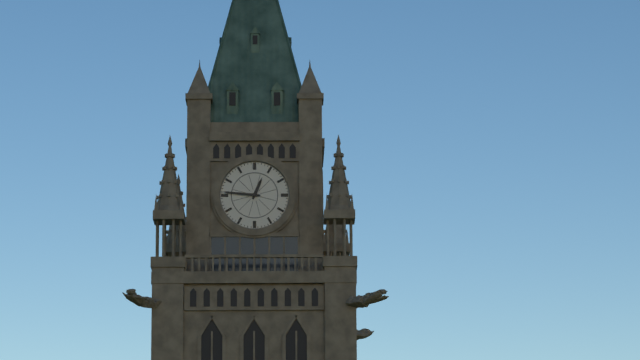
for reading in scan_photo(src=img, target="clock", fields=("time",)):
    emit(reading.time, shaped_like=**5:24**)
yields **12:46**
